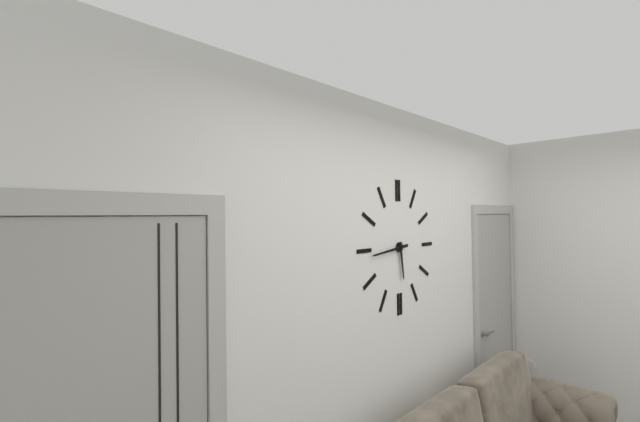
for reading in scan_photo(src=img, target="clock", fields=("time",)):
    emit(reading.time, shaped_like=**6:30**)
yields **5:44**
